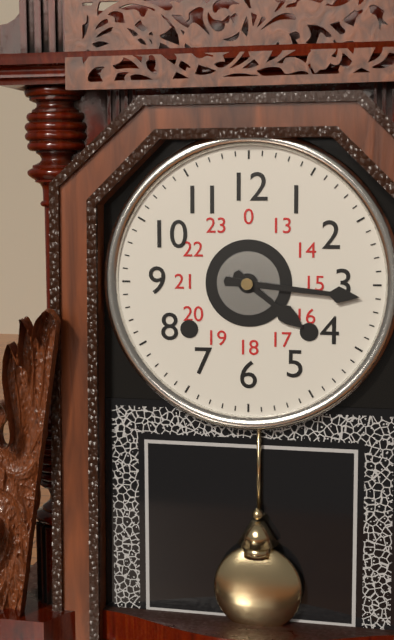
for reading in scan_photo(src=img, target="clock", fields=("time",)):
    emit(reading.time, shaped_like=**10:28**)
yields **4:16**
